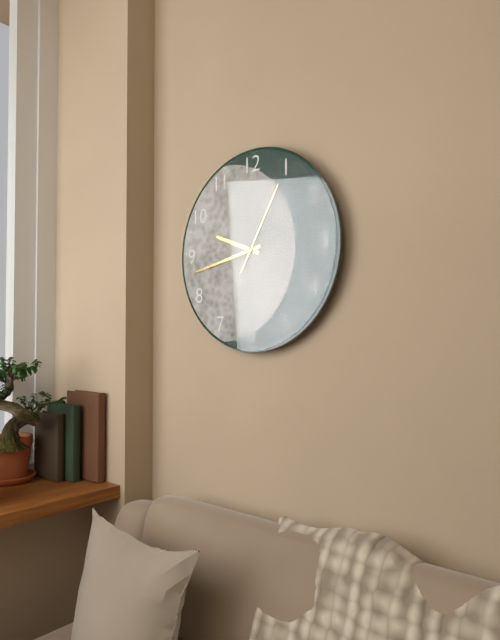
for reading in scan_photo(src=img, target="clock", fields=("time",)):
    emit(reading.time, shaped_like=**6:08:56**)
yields **9:43:05**
